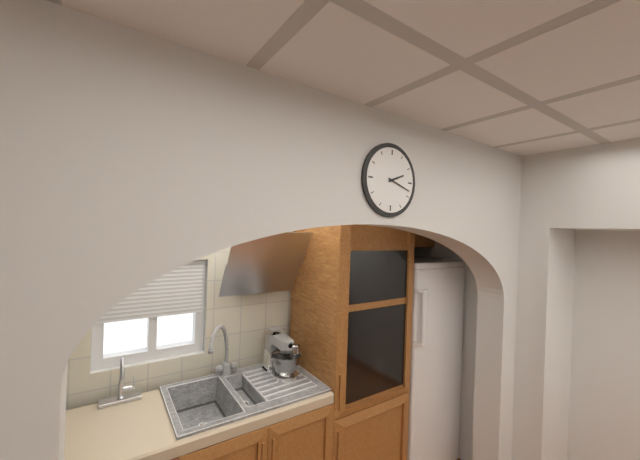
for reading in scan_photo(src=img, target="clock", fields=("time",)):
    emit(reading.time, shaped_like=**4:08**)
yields **2:18**
